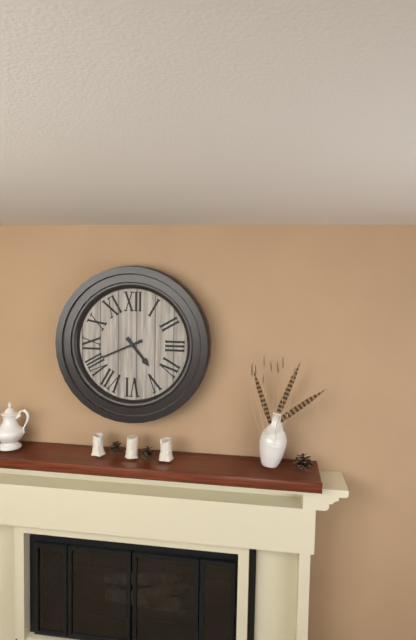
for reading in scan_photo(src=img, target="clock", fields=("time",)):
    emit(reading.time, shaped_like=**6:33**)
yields **4:41**
